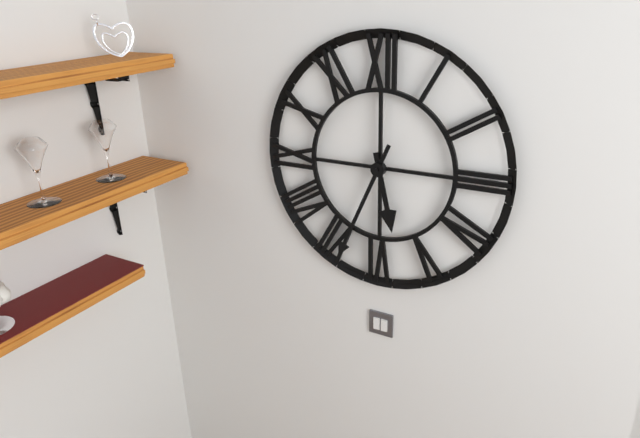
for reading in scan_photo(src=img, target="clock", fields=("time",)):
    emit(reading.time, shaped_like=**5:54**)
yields **5:34**
